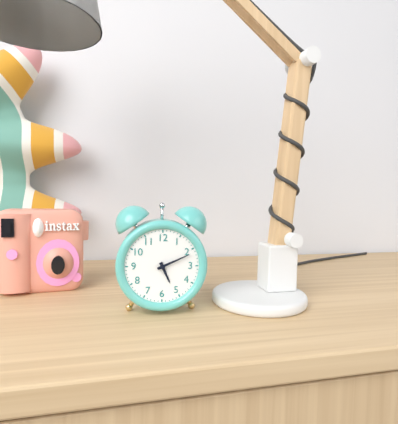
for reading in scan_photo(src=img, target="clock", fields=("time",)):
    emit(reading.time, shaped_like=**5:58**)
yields **5:11**
